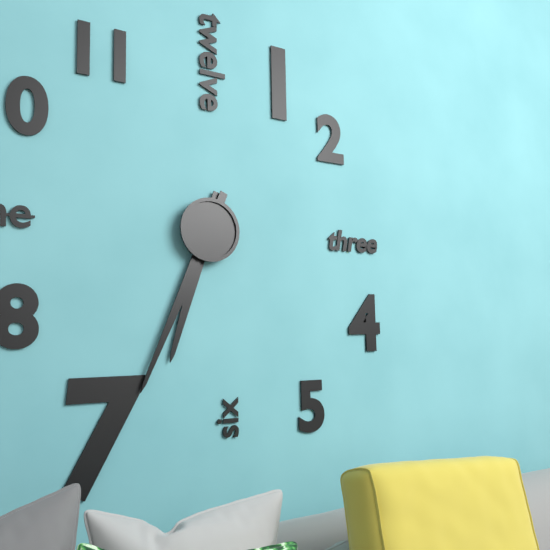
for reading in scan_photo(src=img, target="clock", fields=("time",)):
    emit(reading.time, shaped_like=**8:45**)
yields **6:34**
